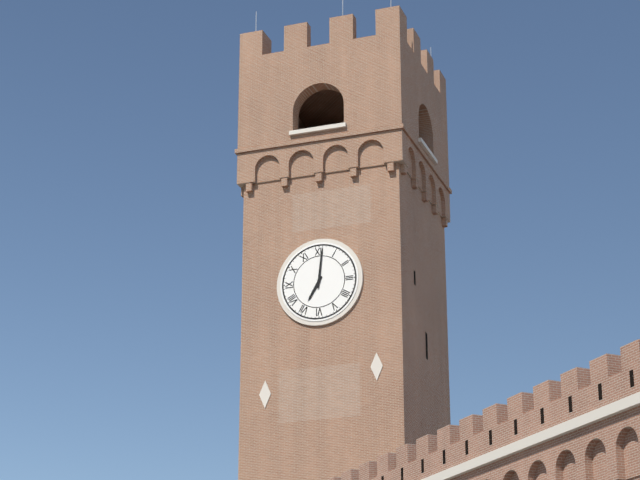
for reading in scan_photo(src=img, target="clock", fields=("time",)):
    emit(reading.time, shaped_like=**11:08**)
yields **7:01**
